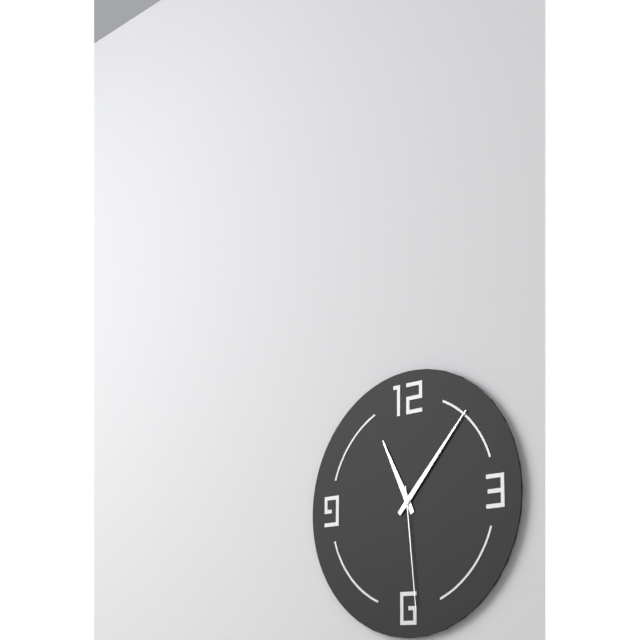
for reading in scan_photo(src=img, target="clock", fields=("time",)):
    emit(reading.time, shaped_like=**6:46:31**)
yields **11:07:29**
